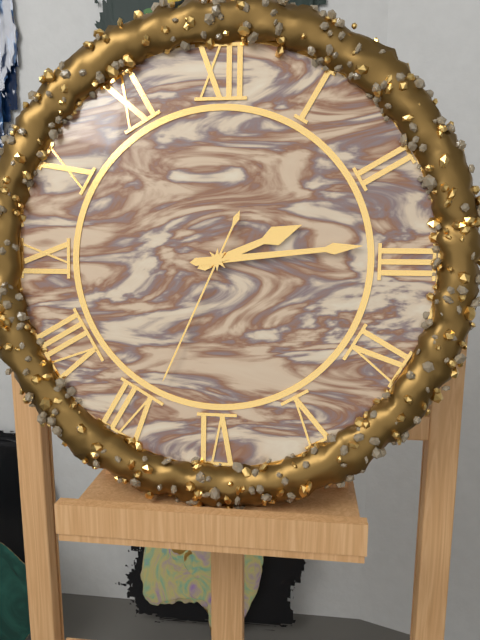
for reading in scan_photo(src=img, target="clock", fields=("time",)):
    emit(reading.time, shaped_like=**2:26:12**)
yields **2:14:34**
